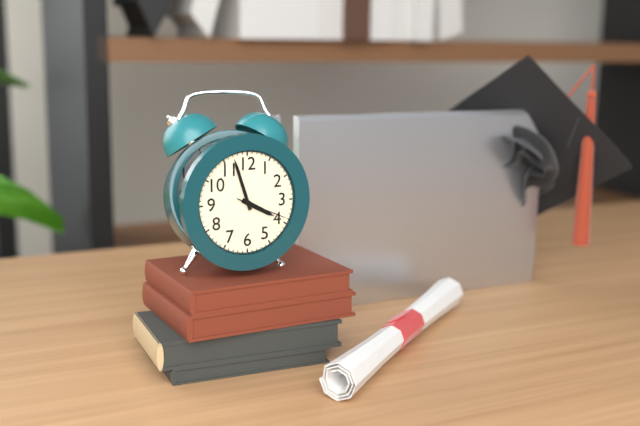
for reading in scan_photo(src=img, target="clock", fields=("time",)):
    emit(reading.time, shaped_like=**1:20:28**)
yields **3:57:19**
